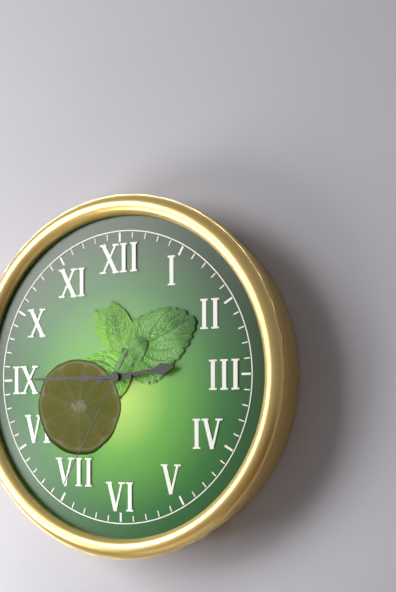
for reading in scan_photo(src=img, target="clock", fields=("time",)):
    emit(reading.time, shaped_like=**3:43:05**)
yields **2:45:35**
